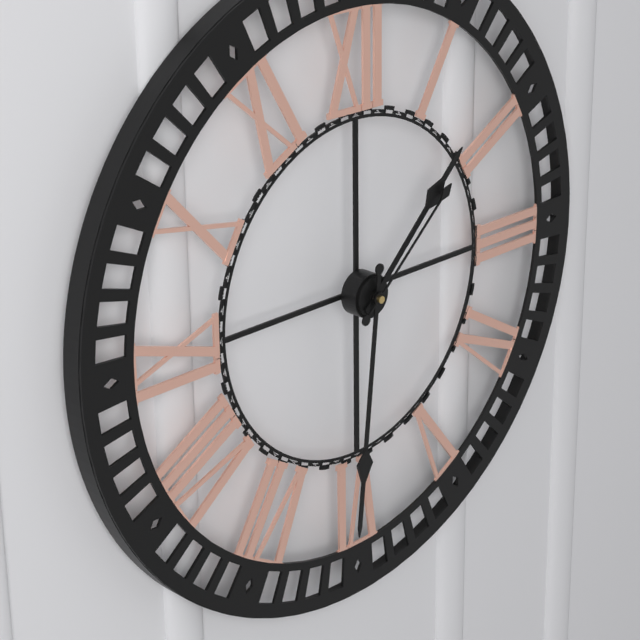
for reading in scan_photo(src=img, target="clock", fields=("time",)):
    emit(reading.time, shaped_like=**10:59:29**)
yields **1:31:08**
